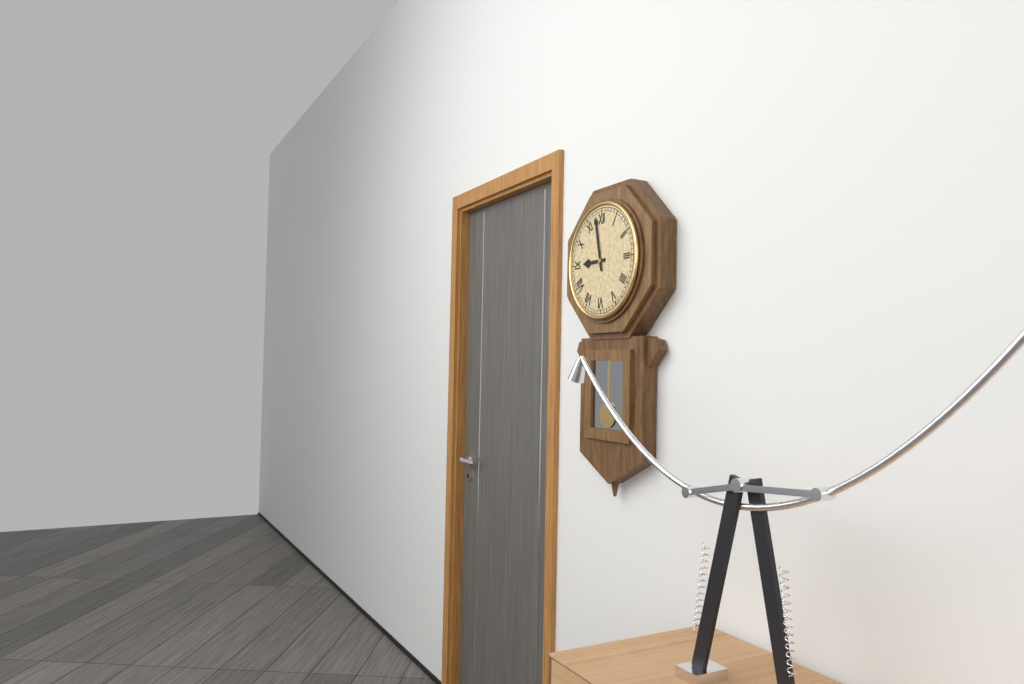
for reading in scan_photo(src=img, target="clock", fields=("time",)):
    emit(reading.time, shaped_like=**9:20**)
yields **8:58**
